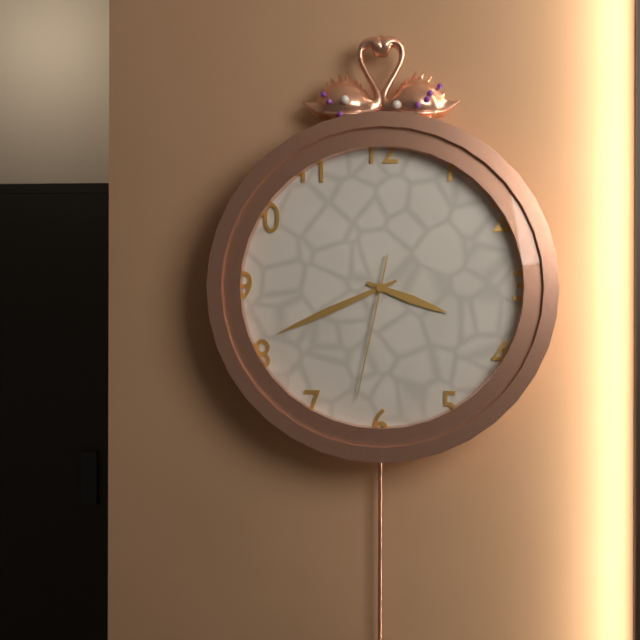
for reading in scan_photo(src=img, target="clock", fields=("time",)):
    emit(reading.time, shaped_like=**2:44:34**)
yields **3:41:32**
